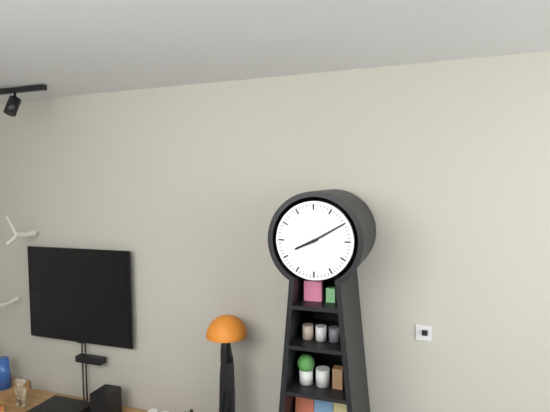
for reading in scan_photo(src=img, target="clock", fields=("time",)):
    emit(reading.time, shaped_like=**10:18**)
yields **8:10**
